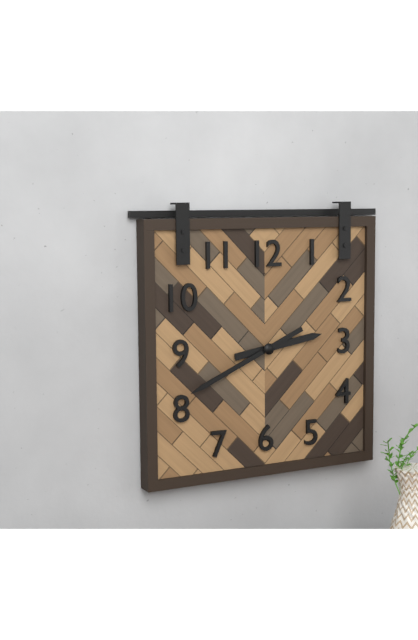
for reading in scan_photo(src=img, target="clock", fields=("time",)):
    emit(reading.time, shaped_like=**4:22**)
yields **2:41**
